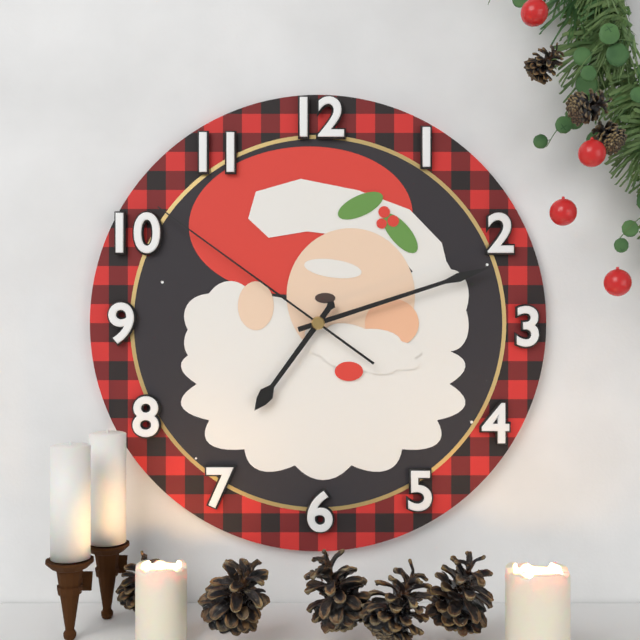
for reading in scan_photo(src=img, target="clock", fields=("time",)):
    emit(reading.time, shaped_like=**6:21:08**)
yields **7:12:51**
